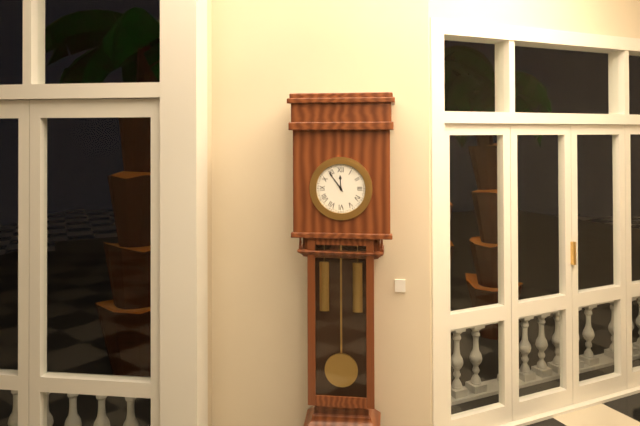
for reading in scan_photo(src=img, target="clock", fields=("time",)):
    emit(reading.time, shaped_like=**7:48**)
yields **11:54**
